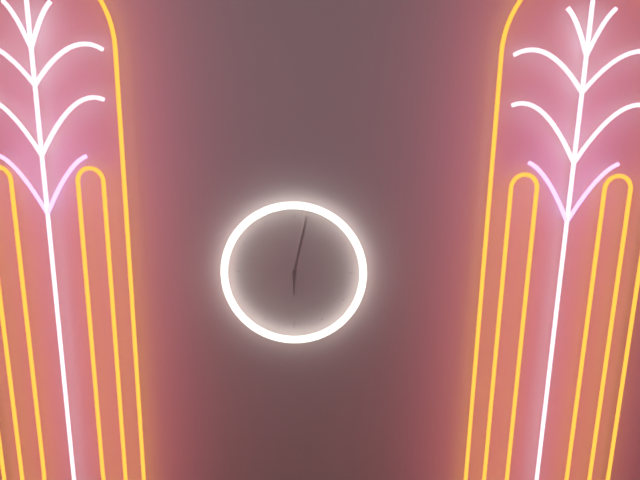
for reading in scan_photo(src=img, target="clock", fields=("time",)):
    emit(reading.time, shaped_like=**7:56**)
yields **6:02**
